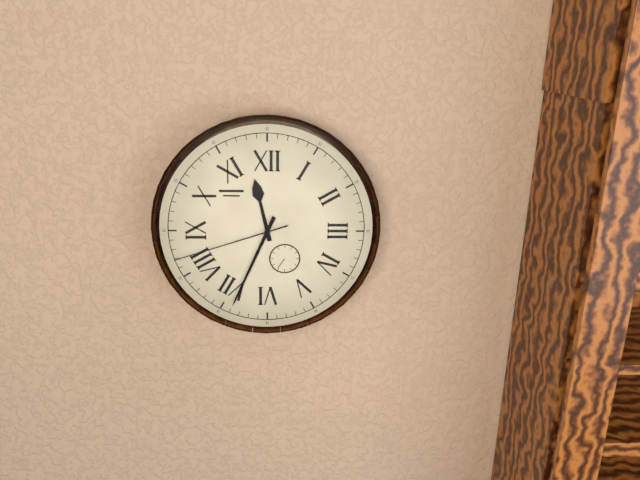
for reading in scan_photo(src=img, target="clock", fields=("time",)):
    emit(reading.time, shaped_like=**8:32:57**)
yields **11:34:42**
